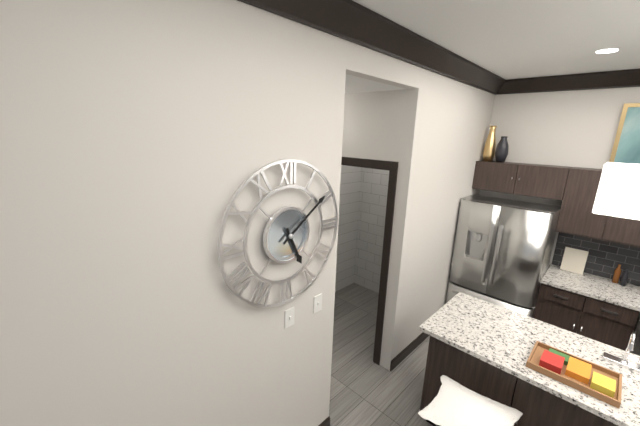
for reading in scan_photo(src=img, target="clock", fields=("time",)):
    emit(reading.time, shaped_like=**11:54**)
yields **5:09**
